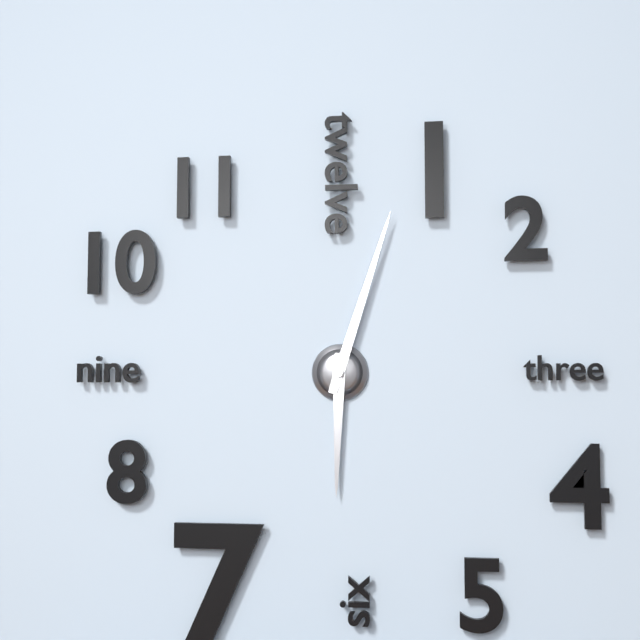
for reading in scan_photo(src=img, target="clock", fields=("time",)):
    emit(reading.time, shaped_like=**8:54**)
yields **6:03**
